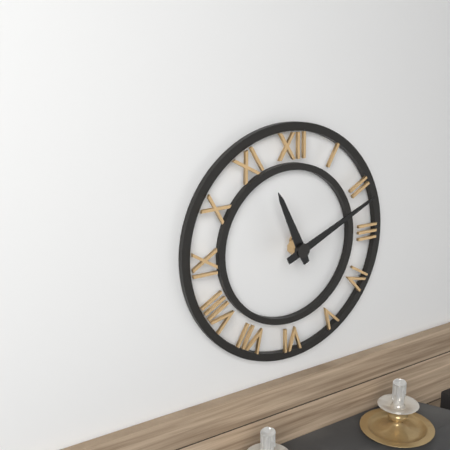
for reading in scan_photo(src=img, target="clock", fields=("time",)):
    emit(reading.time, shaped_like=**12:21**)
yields **11:11**
